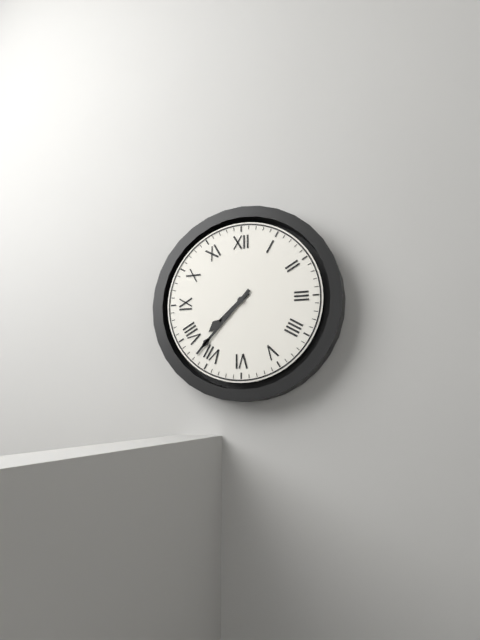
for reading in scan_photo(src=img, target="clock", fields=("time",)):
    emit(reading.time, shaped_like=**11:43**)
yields **7:37**
